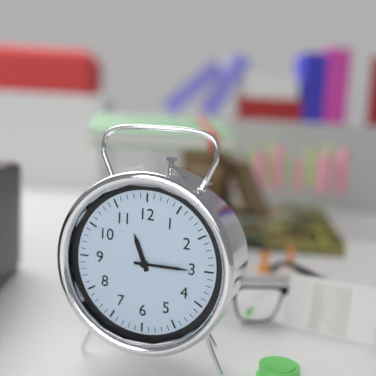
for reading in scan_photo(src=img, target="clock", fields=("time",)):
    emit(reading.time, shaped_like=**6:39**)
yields **11:15**
